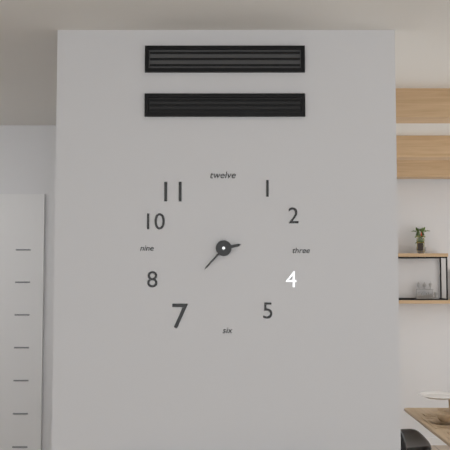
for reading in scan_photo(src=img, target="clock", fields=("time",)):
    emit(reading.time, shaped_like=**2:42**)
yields **2:37**
